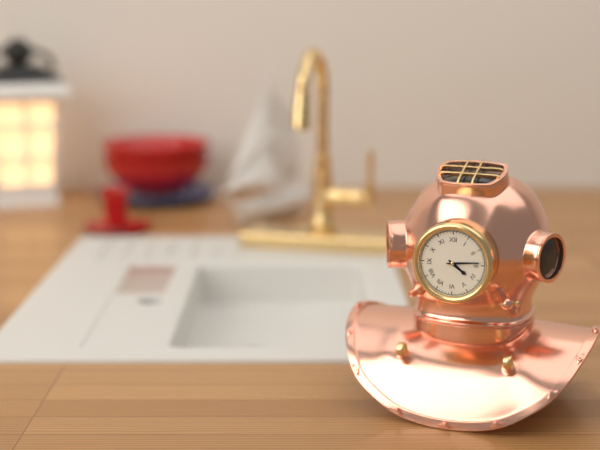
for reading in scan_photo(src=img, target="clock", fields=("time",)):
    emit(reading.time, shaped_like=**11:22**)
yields **4:14**
